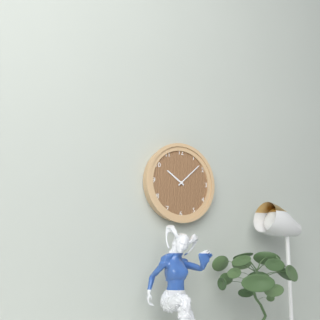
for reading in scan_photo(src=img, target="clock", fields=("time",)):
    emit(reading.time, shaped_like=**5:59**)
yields **10:08**
